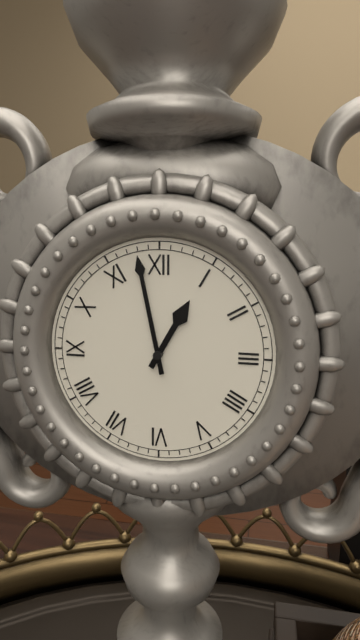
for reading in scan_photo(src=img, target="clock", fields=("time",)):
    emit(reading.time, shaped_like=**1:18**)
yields **12:58**
